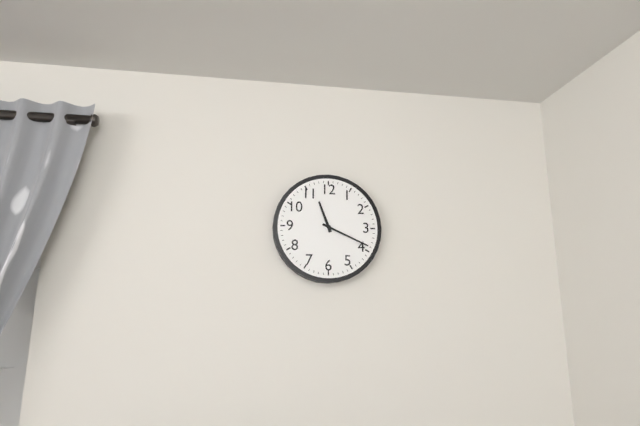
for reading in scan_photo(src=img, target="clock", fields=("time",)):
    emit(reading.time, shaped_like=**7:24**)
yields **11:19**
